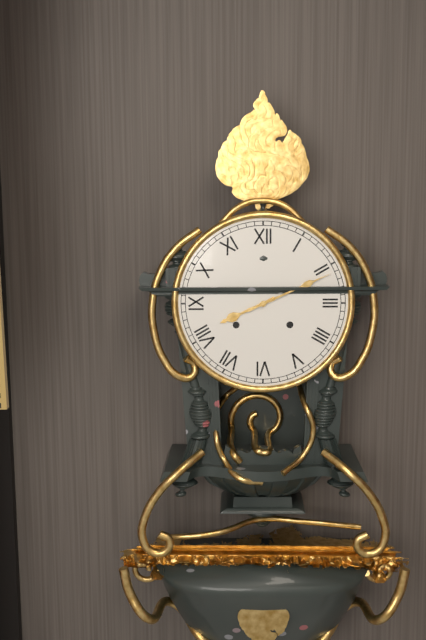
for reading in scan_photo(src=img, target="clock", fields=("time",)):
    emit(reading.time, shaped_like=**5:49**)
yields **8:11**
